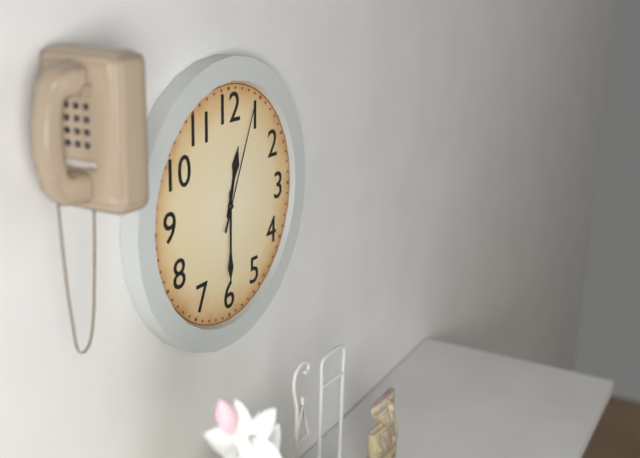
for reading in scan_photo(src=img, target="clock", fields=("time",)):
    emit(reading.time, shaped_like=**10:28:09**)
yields **12:30:04**
